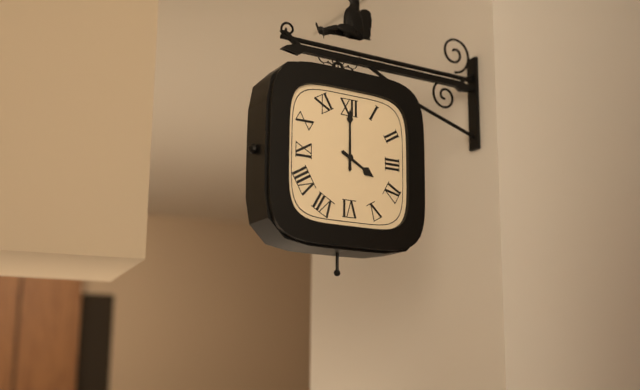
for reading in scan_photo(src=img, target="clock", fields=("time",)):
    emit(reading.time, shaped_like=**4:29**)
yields **4:00**
